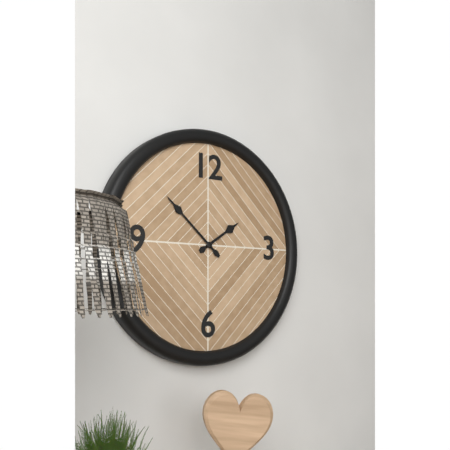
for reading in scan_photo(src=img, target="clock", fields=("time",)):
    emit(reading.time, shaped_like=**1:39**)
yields **1:52**
